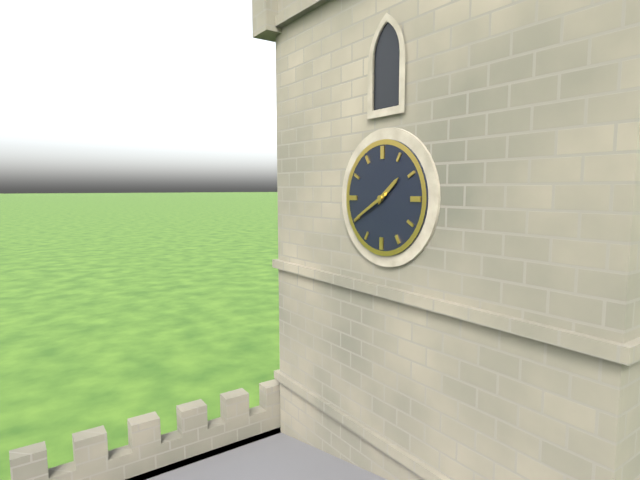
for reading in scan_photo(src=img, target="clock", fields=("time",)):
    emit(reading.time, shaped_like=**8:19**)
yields **1:40**
